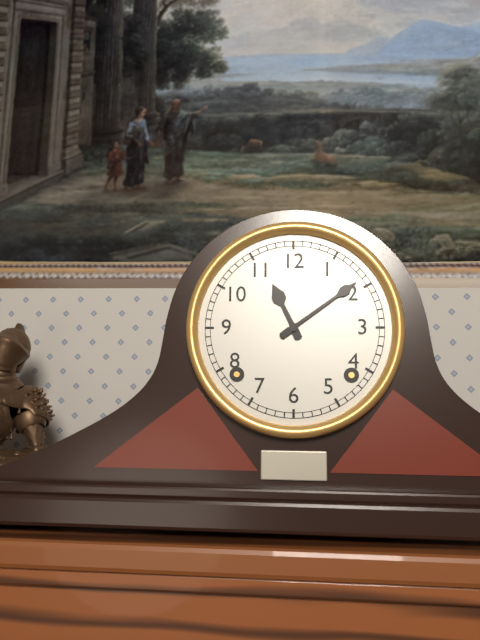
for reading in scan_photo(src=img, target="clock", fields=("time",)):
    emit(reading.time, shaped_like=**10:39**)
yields **11:09**
